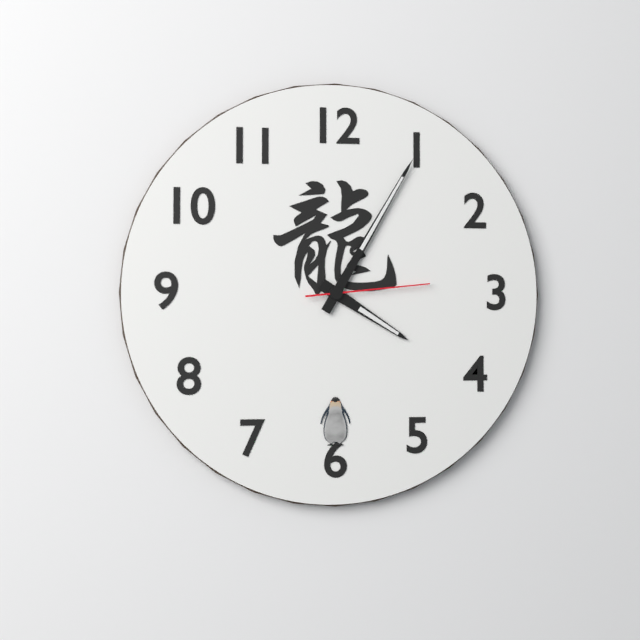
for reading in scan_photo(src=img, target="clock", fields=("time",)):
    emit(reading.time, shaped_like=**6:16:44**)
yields **4:05:14**
